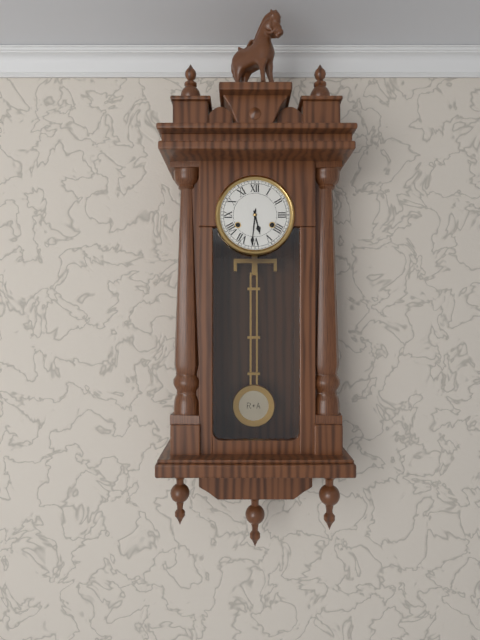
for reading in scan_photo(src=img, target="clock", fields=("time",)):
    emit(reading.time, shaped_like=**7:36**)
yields **5:31**
